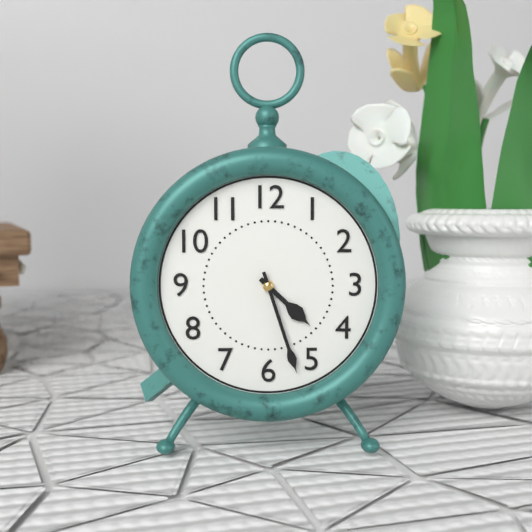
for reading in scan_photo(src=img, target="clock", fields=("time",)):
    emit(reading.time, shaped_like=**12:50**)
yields **4:27**
